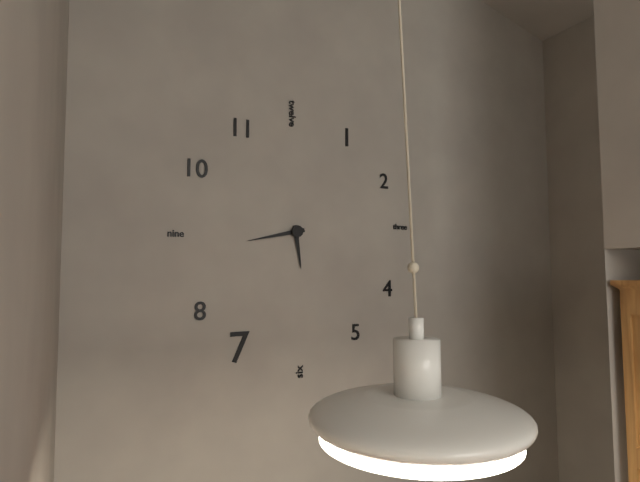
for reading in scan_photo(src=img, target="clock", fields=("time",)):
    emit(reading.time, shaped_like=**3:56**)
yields **5:43**
